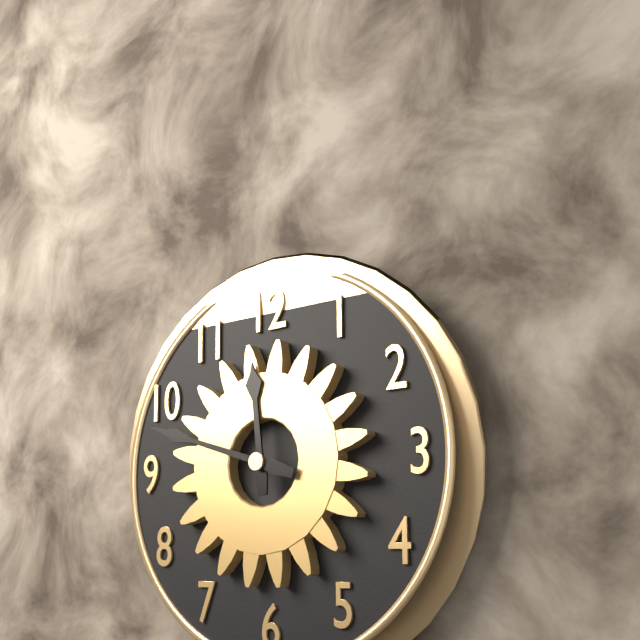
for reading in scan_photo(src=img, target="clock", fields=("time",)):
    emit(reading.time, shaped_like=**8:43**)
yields **11:48**
